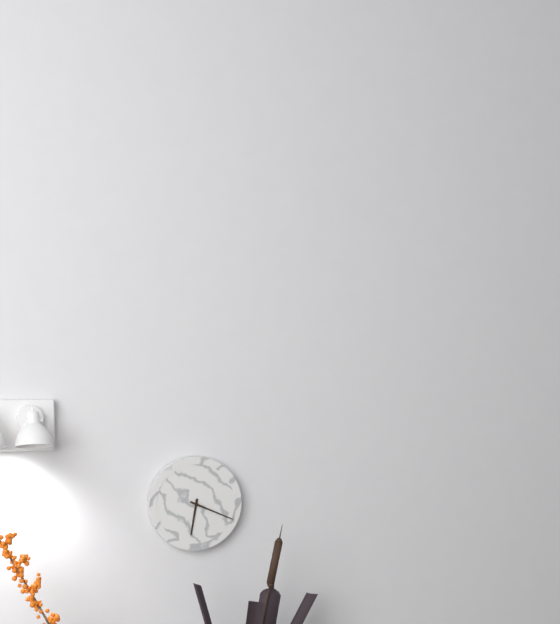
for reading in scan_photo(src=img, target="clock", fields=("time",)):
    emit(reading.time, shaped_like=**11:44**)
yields **6:19**
